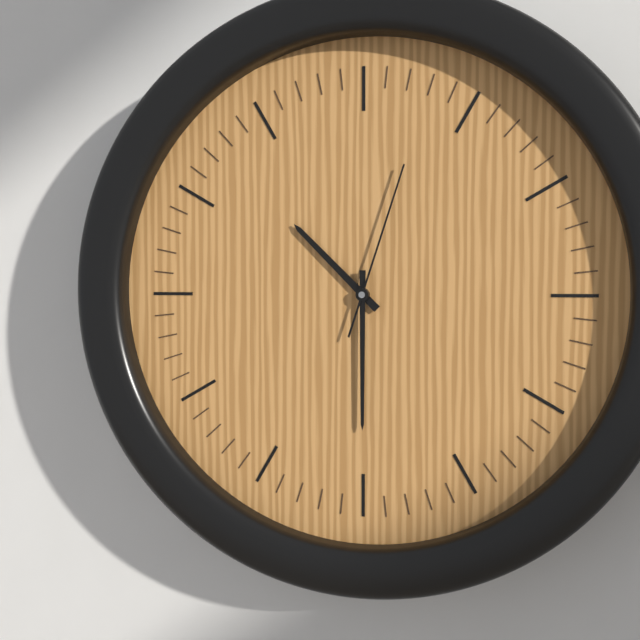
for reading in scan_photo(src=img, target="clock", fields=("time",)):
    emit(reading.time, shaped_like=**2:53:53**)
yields **10:30:03**
